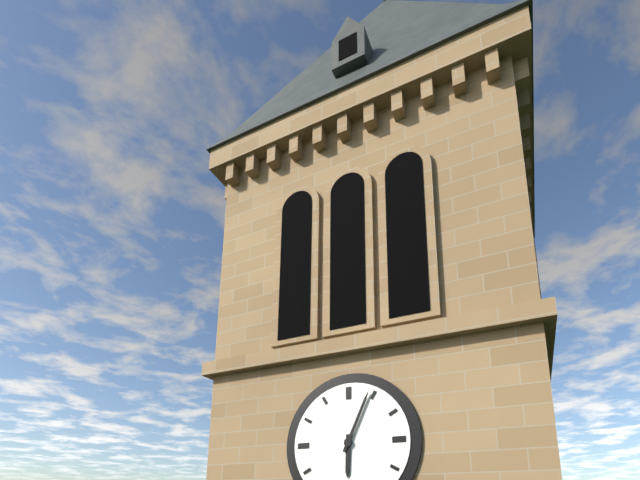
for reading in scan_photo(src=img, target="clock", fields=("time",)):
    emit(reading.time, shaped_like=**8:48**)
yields **6:04**
